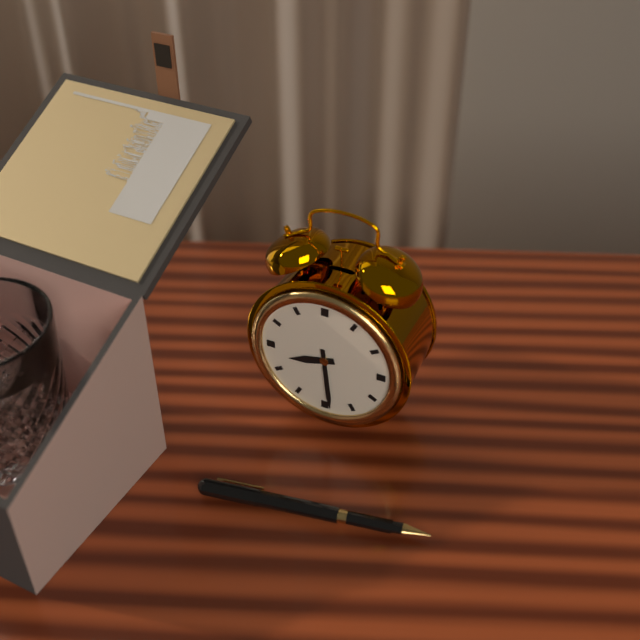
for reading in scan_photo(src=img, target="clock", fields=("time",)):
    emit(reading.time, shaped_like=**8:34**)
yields **8:29**
